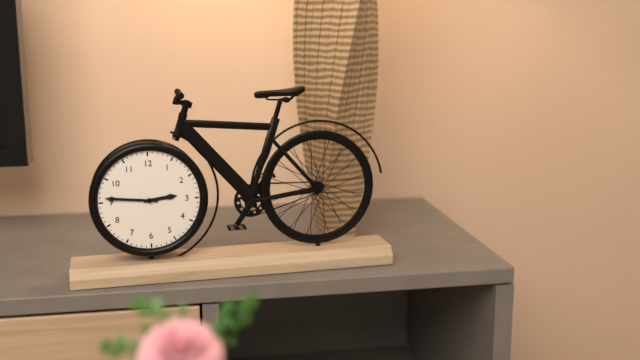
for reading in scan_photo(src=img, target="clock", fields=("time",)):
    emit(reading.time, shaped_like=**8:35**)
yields **2:46**
